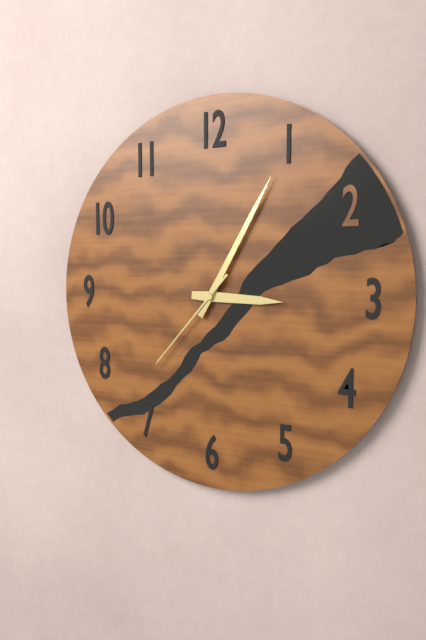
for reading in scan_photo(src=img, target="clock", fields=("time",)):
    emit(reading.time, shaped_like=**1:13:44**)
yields **3:05:37**
